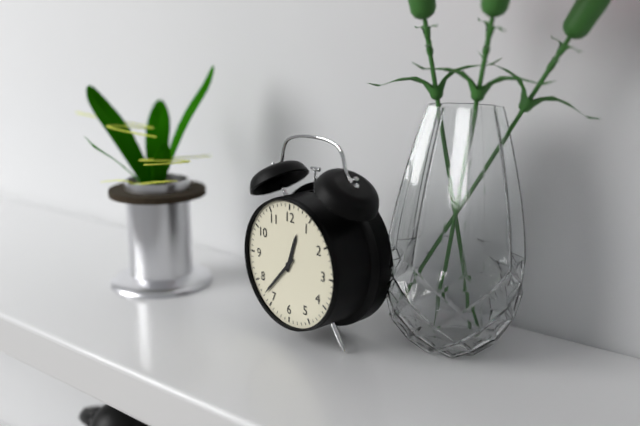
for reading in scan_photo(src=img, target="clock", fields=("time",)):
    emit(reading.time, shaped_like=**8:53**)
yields **12:37**
